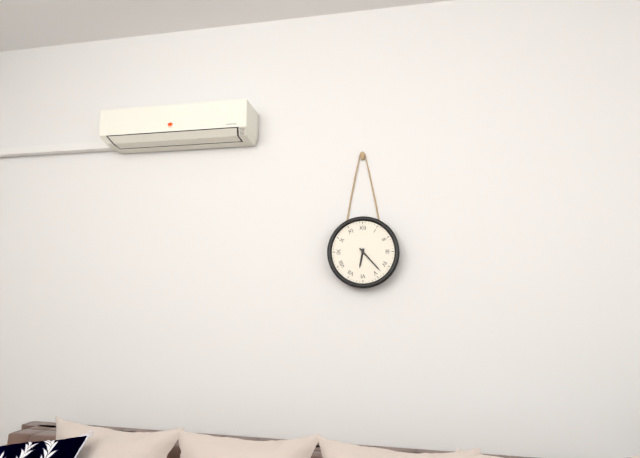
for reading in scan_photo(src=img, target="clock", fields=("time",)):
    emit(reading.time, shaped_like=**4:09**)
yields **6:23**
